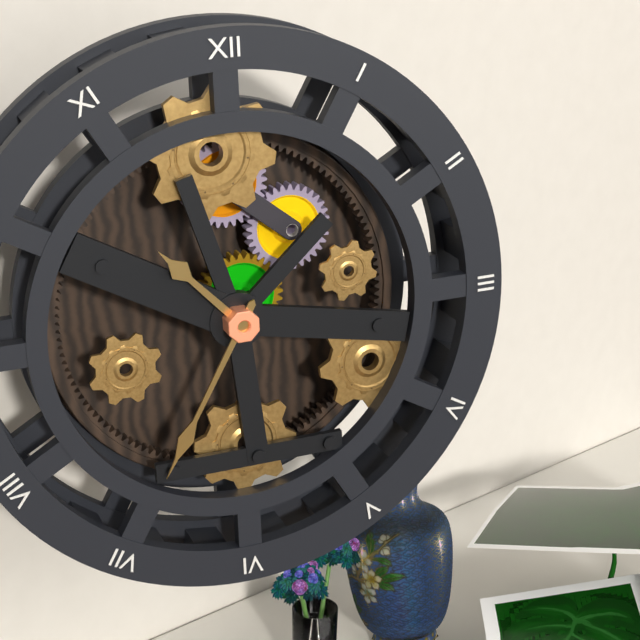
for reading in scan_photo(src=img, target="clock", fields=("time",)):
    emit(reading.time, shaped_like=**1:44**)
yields **10:35**
